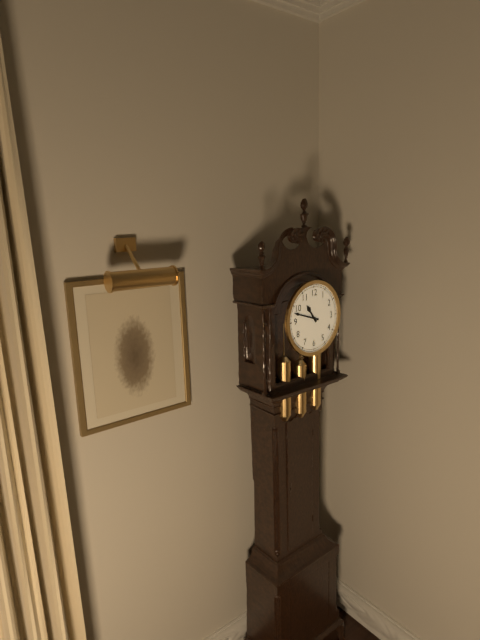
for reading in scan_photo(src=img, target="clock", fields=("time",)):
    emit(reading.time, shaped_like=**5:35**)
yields **10:48**
